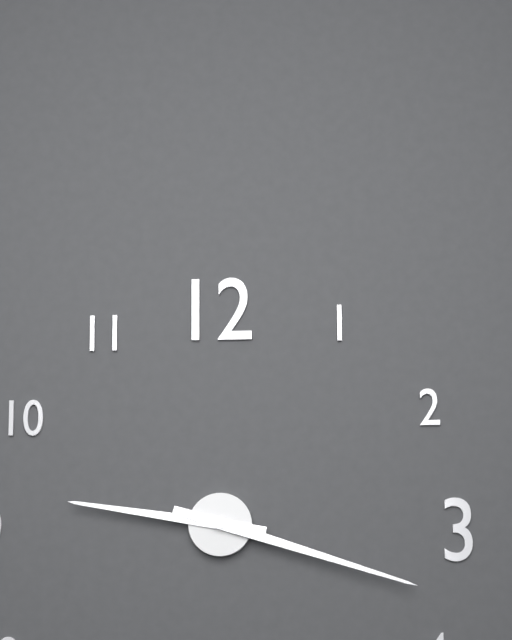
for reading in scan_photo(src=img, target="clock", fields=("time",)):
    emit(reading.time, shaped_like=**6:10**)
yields **9:18**
